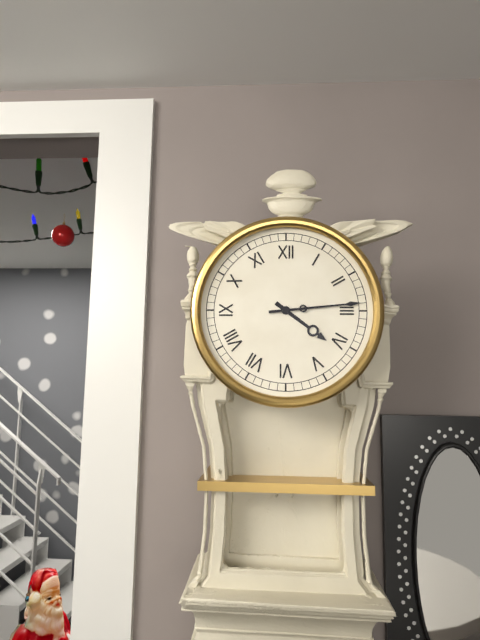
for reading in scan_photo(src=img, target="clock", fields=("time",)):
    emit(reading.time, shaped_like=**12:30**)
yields **4:14**
